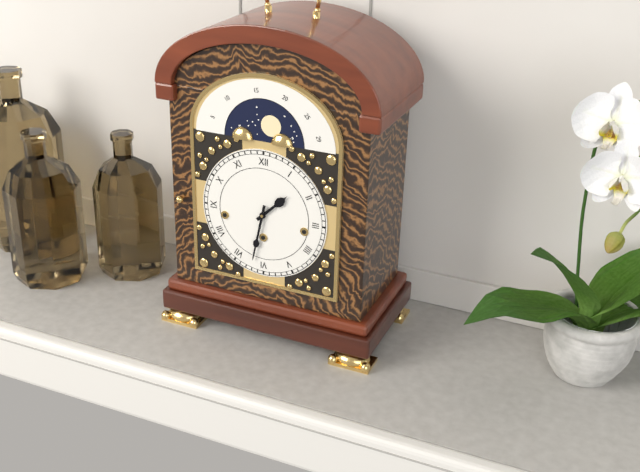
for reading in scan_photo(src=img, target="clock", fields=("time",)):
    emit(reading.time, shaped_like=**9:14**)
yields **1:32**
